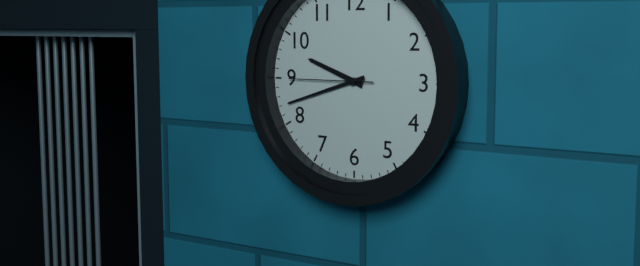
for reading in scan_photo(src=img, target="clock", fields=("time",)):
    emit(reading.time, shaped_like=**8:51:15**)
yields **9:42:45**
